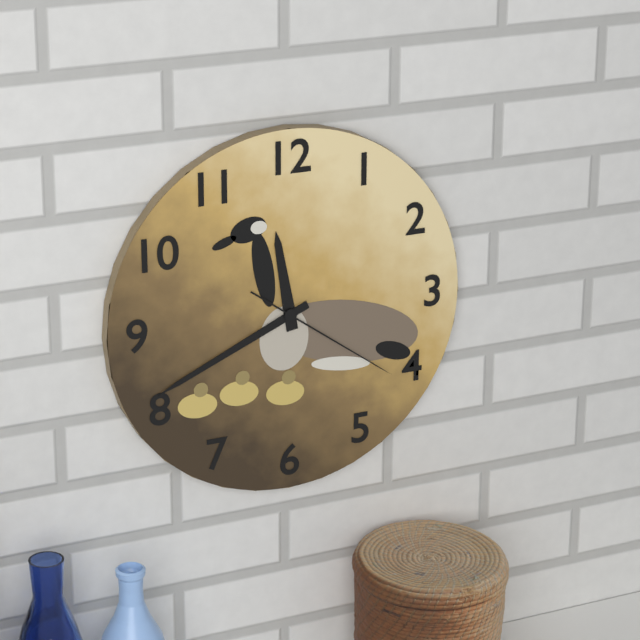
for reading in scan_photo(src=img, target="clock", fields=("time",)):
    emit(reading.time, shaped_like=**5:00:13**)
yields **11:41:21**
